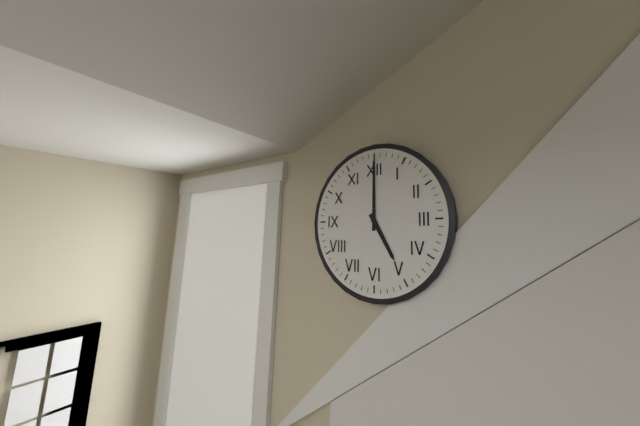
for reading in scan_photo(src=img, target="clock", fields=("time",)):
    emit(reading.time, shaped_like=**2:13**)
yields **5:00**
